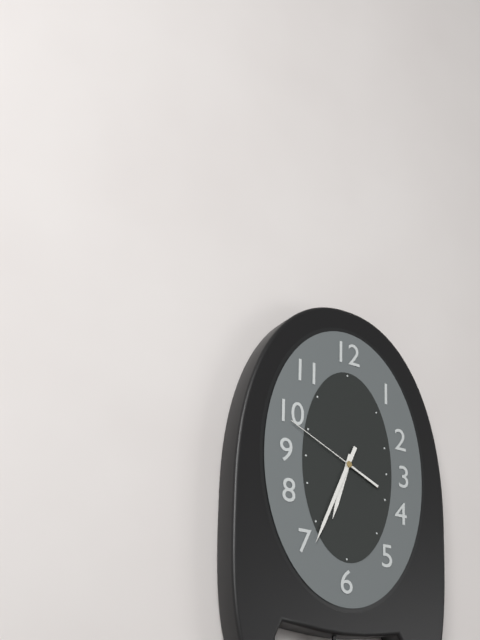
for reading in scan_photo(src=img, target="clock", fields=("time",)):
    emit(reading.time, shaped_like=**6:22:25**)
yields **6:34:49**
